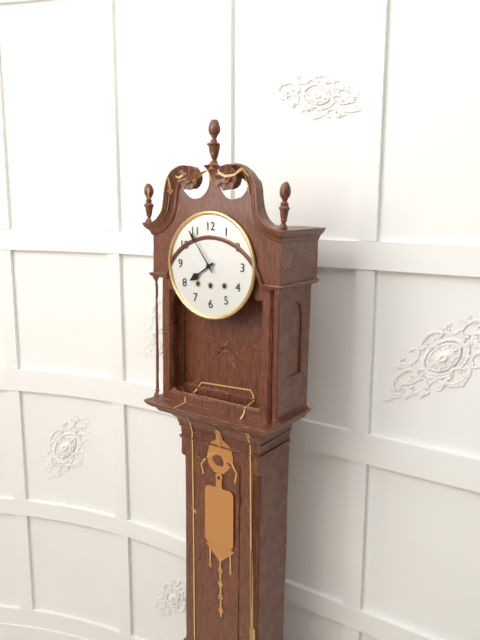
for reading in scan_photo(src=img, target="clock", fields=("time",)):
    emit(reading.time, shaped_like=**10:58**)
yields **7:54**
